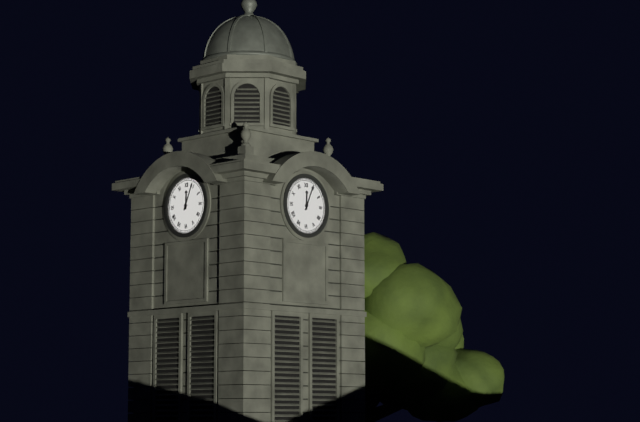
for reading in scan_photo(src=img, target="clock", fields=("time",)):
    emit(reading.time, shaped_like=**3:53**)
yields **12:04**
